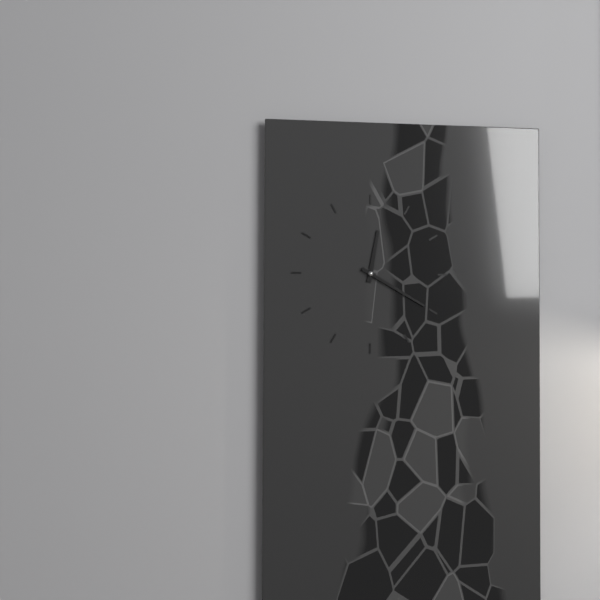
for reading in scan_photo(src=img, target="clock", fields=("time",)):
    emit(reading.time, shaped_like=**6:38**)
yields **12:20**
